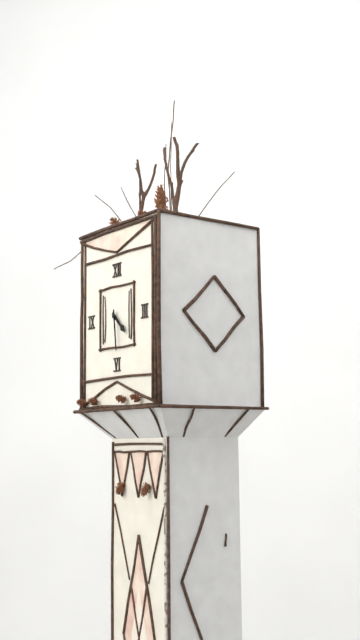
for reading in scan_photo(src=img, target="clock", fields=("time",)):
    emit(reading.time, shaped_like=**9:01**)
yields **4:29**
